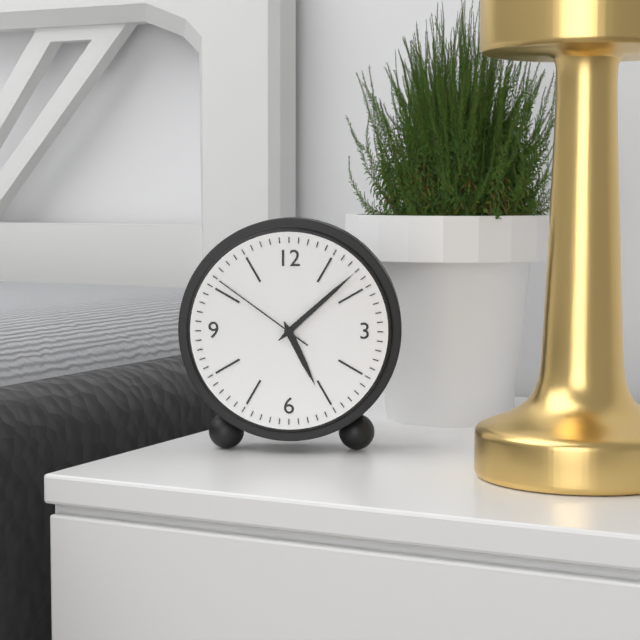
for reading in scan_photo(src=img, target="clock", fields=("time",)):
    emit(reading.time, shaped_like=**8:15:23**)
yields **5:08:51**
